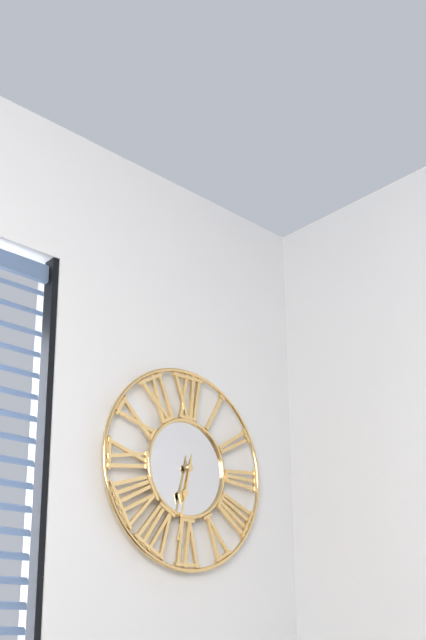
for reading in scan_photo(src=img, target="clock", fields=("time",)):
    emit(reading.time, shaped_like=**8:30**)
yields **6:32**
